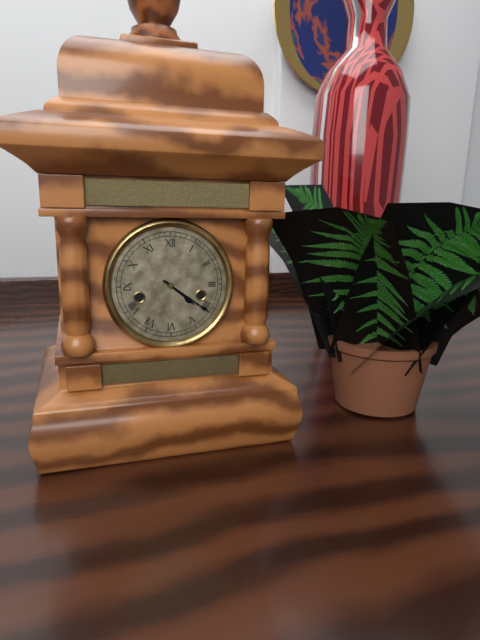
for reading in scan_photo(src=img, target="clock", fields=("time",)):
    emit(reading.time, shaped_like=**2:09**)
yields **4:21**
